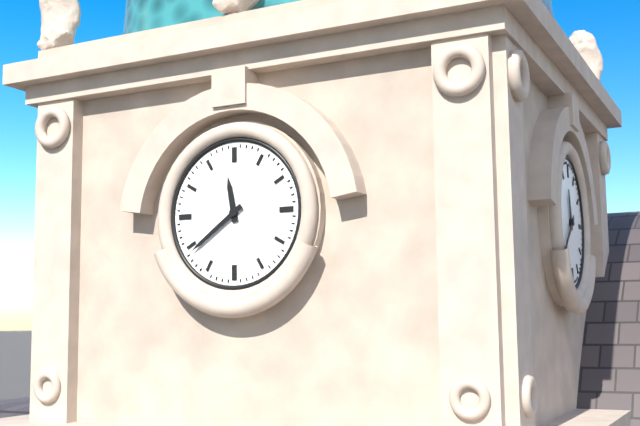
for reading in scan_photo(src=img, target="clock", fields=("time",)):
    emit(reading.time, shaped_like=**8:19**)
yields **11:39**
